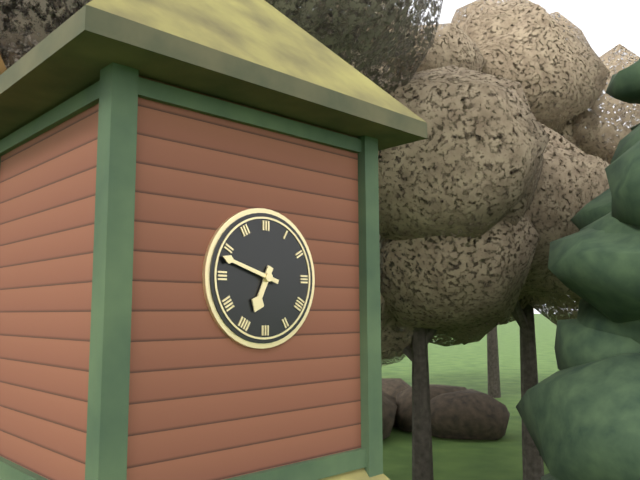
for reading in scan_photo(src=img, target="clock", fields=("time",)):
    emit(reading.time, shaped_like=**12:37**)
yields **6:48**
